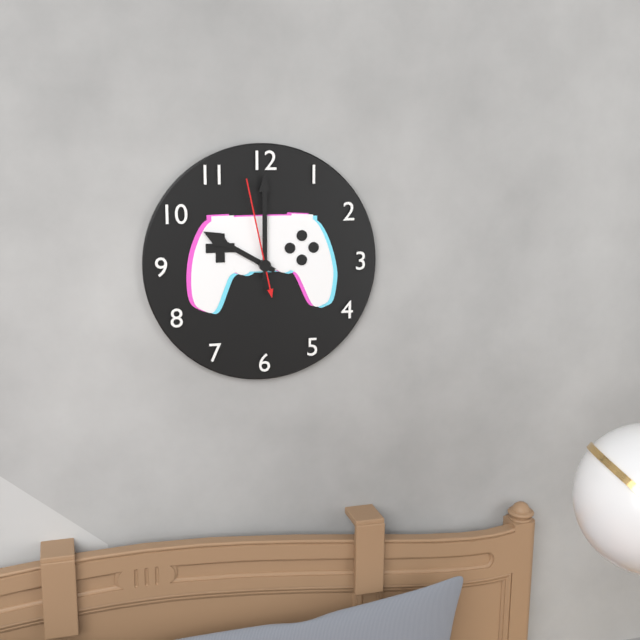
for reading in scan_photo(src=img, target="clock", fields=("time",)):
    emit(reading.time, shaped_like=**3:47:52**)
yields **10:00:58**
